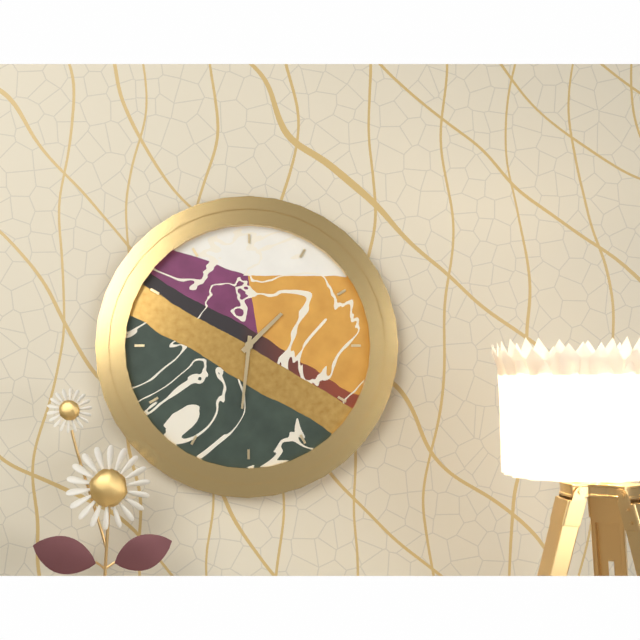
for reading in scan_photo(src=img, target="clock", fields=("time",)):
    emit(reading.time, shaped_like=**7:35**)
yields **1:31**
